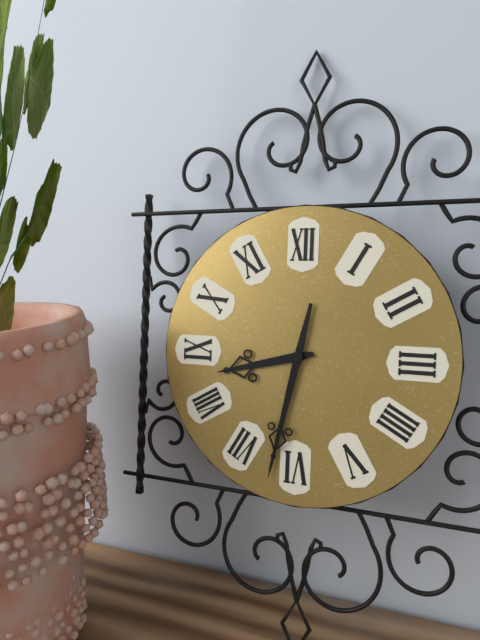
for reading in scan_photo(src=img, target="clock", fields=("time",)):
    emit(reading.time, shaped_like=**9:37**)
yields **8:32**
